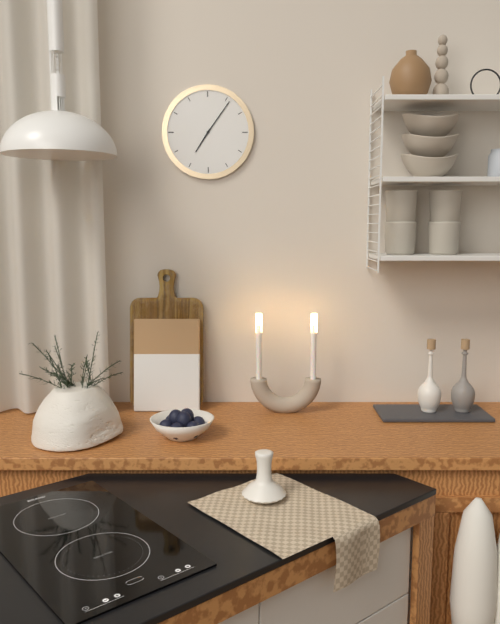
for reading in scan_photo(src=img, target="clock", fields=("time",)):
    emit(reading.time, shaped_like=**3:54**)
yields **7:06**
